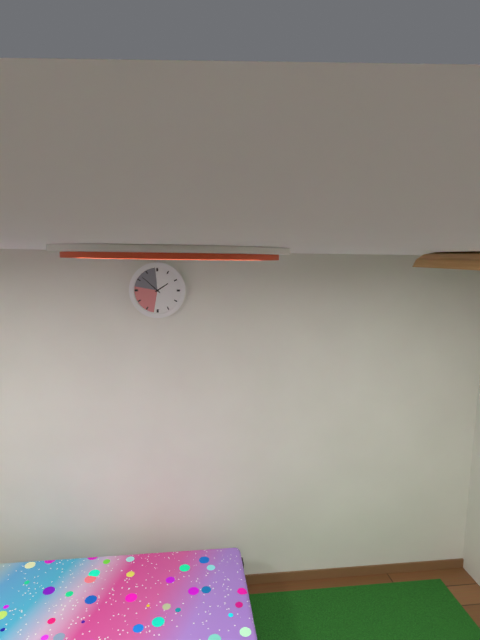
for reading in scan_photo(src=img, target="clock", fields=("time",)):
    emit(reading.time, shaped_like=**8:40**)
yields **1:52**
